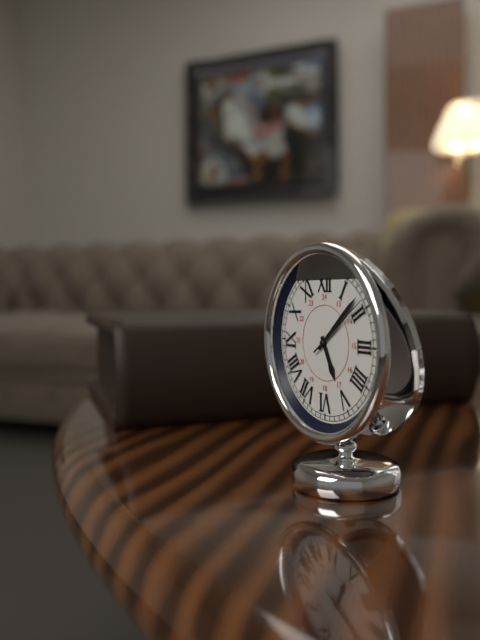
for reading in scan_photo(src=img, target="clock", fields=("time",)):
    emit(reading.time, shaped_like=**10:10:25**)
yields **5:08:09**
